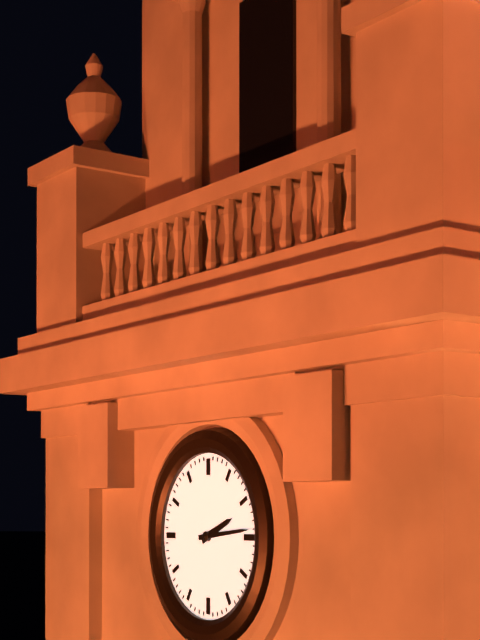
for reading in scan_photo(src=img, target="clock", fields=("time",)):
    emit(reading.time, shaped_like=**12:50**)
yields **2:14**
